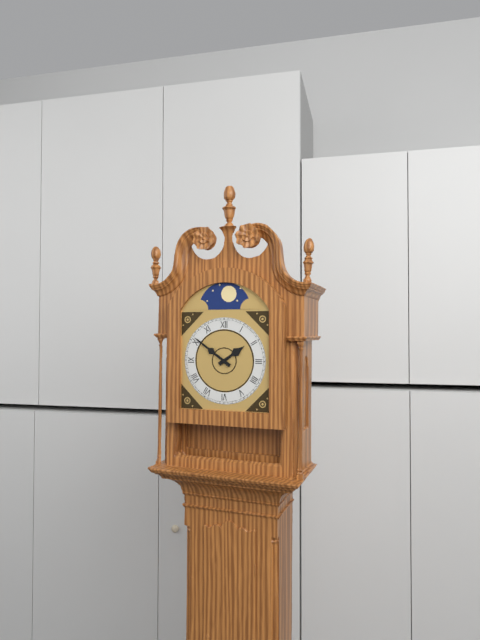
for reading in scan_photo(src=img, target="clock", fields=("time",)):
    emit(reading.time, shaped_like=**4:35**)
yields **1:51**
